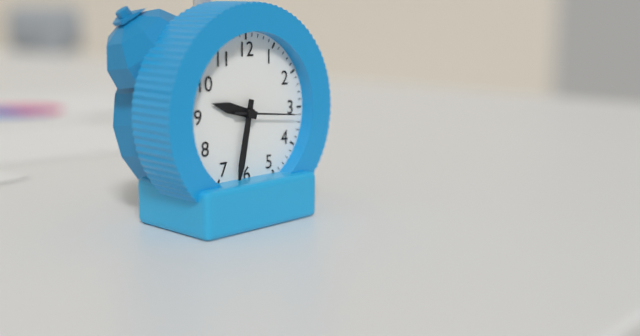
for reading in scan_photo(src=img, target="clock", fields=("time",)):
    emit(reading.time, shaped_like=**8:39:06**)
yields **9:32:16**
